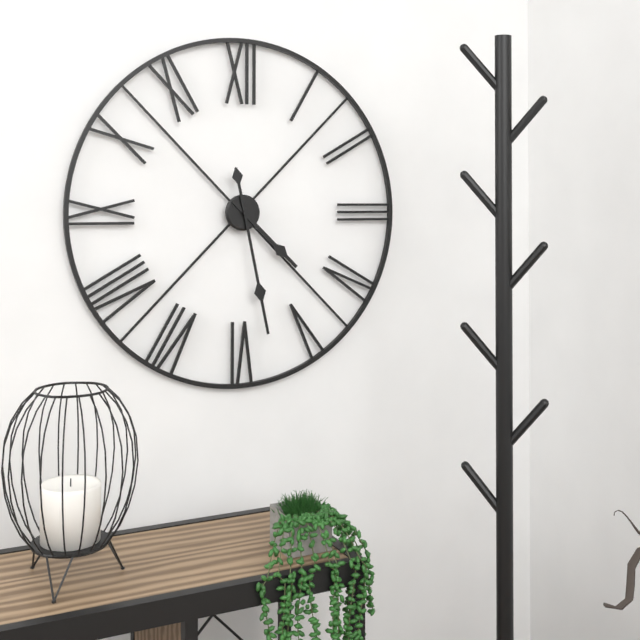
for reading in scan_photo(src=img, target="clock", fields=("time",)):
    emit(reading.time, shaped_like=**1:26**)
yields **4:28**
